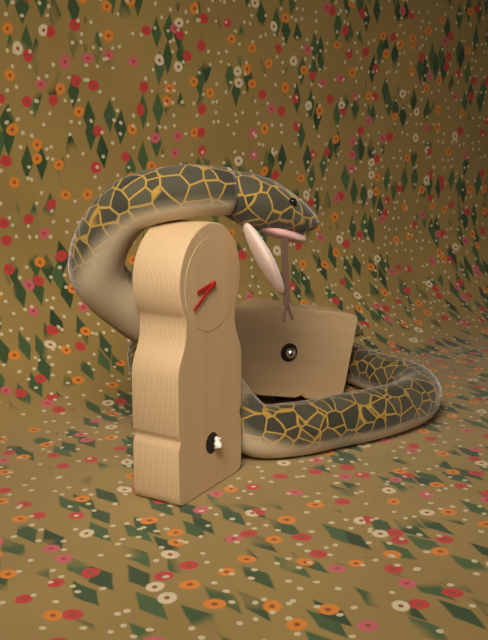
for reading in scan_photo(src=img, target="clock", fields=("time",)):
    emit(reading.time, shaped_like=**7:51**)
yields **8:40**
